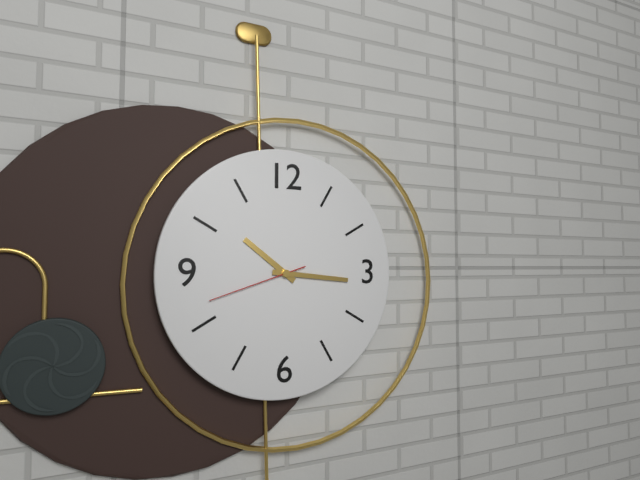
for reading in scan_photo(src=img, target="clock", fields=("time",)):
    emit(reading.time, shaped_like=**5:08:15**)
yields **10:16:42**
